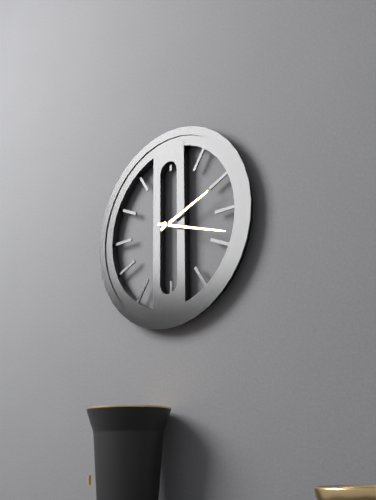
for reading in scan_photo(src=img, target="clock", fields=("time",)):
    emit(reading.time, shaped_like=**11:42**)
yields **2:18**
